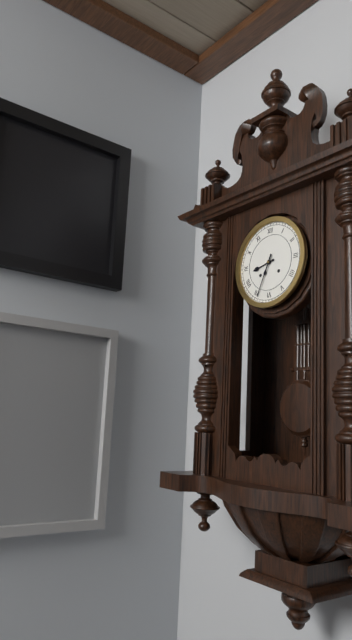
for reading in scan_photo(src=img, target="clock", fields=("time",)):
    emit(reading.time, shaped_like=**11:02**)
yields **8:34**
